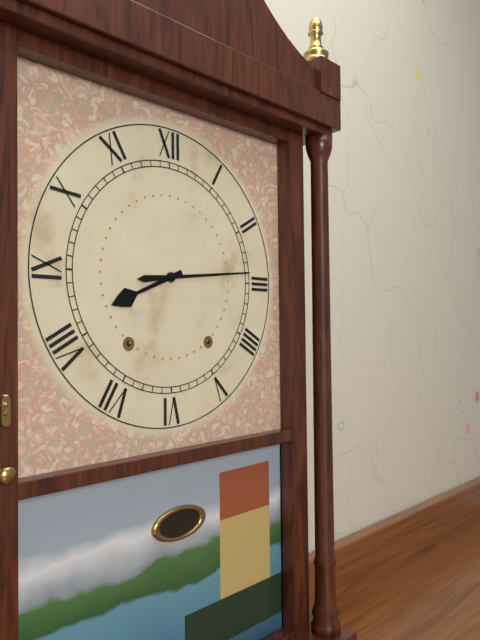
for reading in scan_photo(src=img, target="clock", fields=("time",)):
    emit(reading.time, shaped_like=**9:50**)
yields **8:14**
